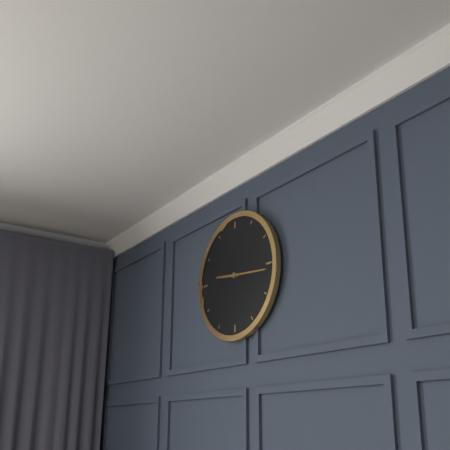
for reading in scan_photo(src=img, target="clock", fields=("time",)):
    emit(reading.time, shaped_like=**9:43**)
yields **9:16**
